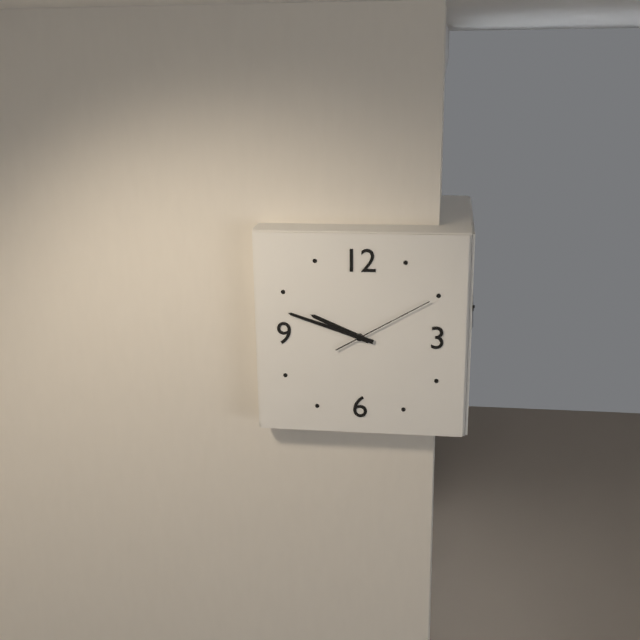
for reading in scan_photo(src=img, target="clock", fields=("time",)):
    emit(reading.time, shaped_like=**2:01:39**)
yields **9:48:10**
